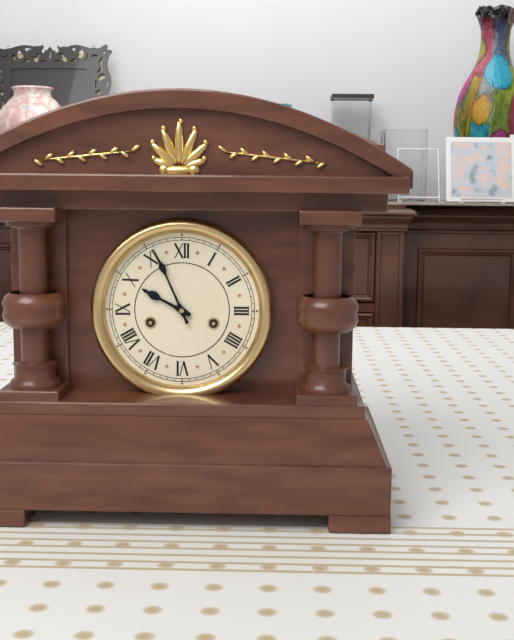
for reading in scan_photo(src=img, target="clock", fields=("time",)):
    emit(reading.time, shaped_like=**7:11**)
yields **9:56**
